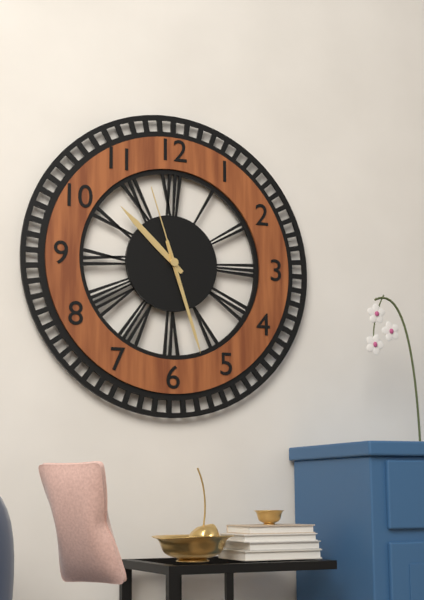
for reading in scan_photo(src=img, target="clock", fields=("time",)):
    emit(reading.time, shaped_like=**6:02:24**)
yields **10:27:57**
